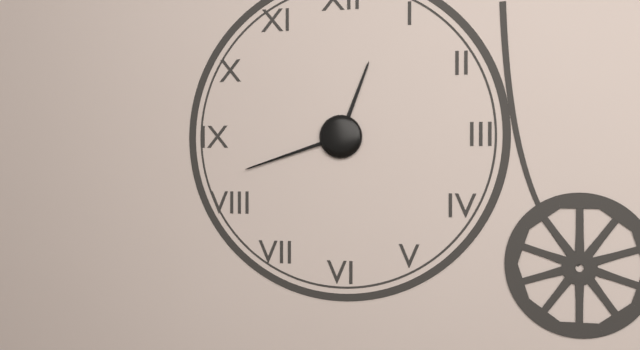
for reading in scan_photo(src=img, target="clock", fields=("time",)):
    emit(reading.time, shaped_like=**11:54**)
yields **12:42**
